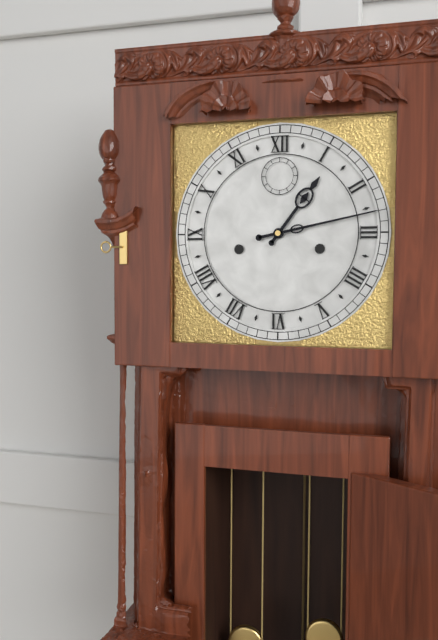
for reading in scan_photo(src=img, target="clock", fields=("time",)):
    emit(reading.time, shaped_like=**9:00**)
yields **1:13**
